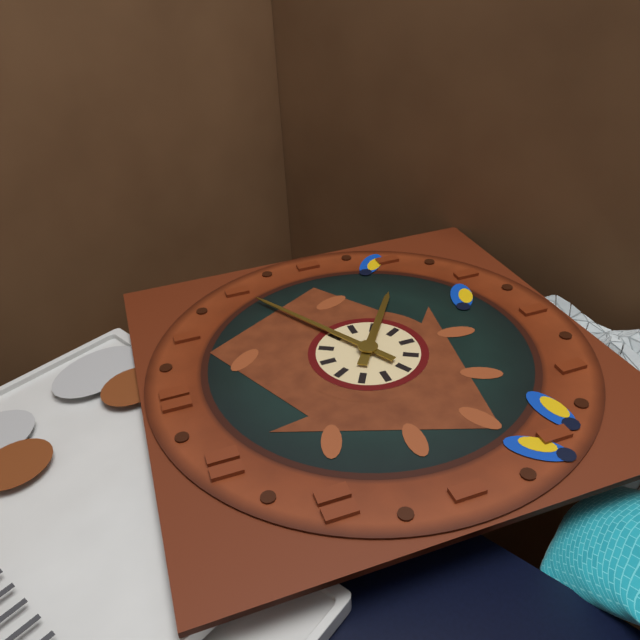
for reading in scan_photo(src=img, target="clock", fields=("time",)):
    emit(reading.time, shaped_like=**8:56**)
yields **4:10**
